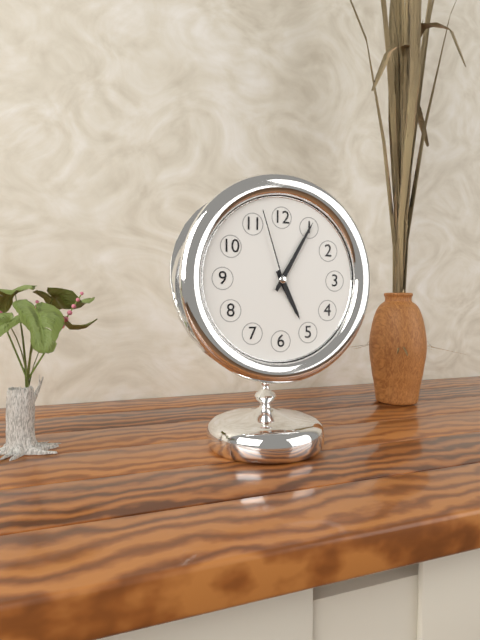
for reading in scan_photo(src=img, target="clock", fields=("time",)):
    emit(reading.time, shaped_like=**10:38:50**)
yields **5:05:57**
